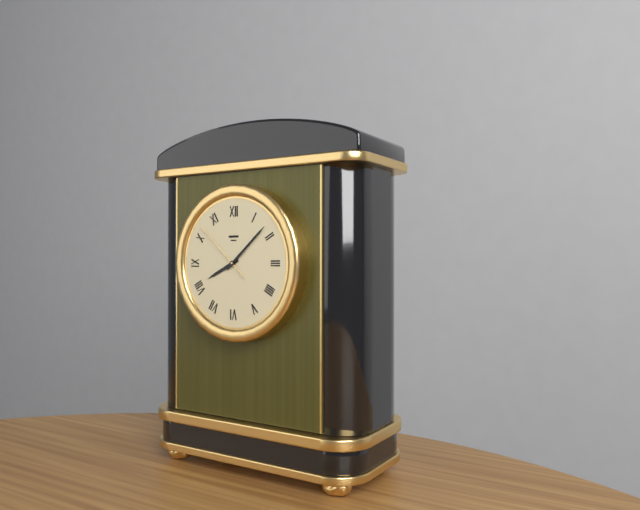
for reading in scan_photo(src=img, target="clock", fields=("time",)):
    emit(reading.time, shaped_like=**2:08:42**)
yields **8:08:52**
